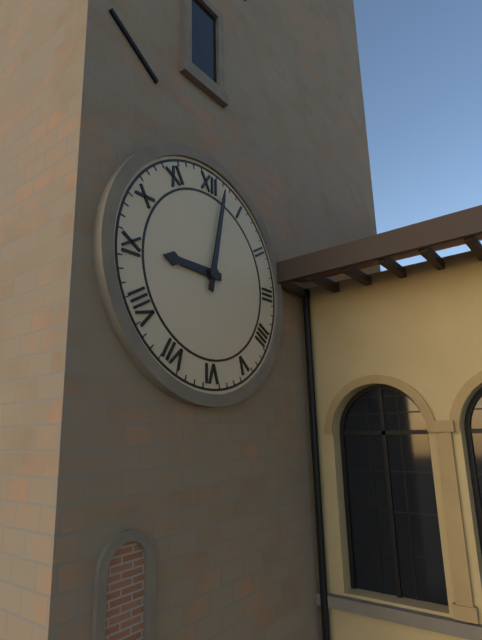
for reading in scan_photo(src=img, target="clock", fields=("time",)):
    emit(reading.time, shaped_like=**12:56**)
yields **9:02**
